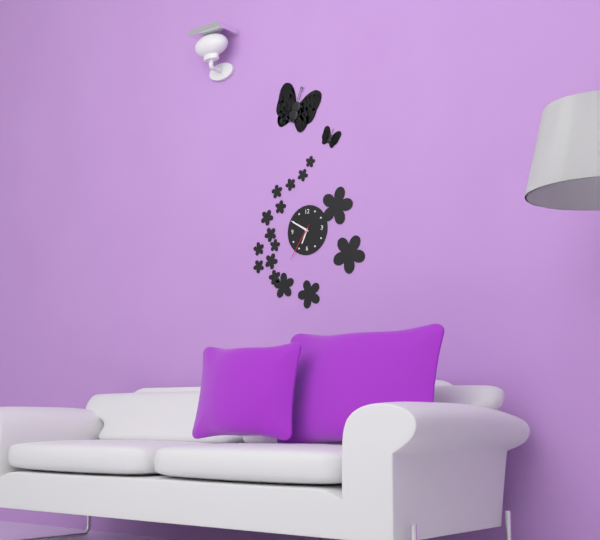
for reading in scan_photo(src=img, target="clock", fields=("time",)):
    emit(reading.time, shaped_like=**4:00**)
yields **6:50**
